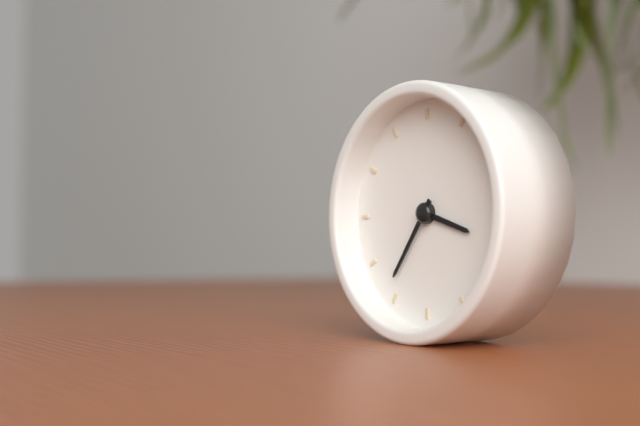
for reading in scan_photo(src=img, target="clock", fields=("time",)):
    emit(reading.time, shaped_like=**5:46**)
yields **3:36**
